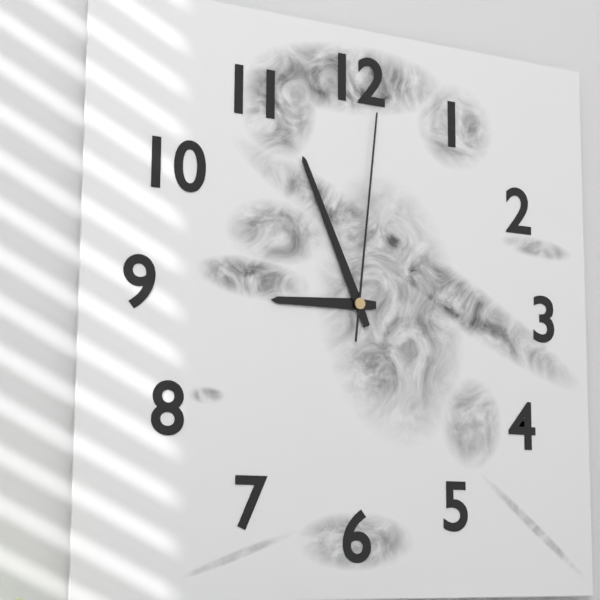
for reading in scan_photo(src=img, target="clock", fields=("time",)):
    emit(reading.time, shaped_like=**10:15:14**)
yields **8:56:01**
